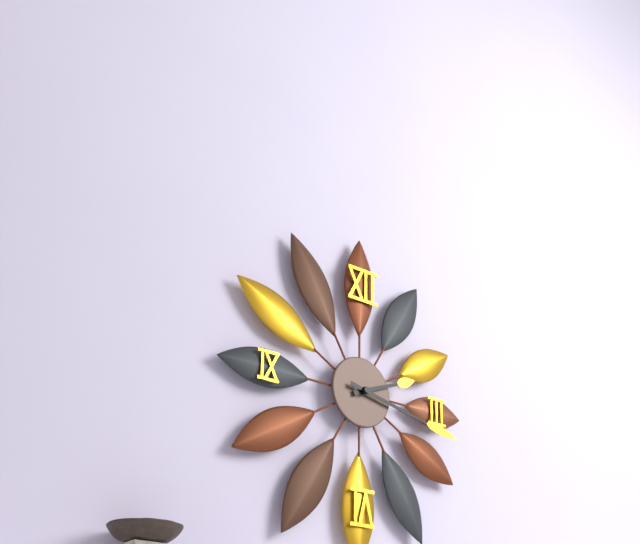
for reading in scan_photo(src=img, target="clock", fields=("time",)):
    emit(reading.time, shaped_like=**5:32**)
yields **2:17**
